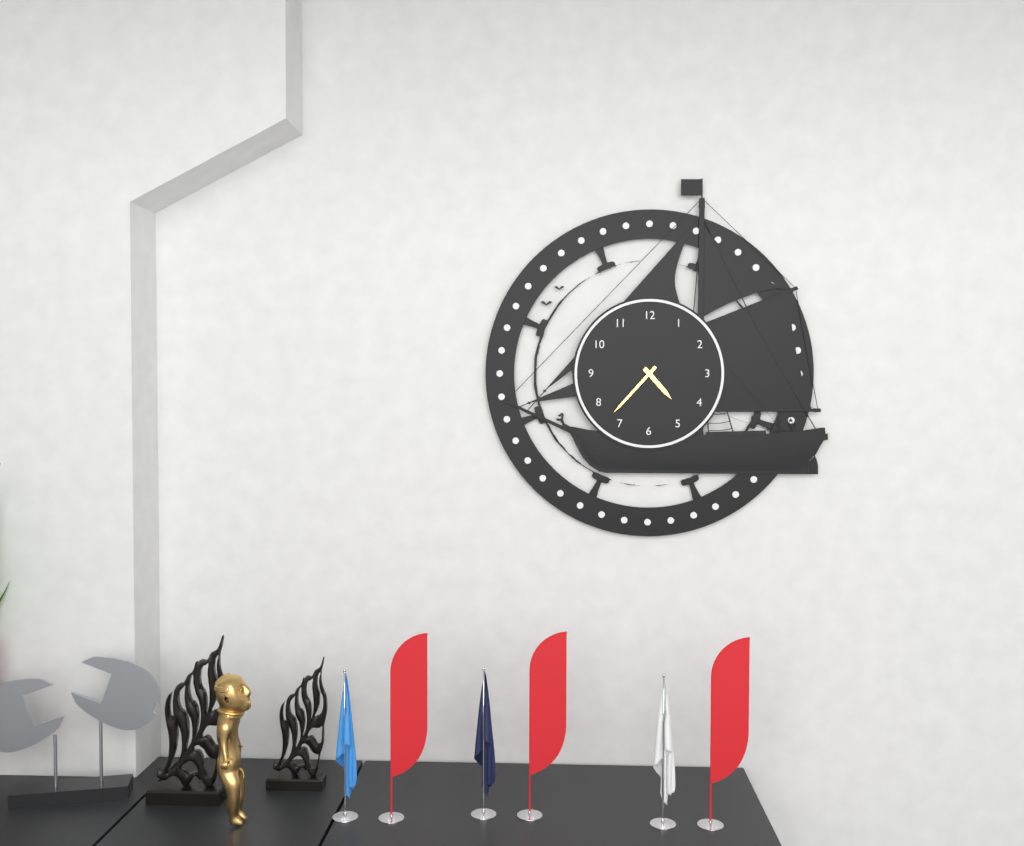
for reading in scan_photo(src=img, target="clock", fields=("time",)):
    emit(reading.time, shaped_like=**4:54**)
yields **4:37**
